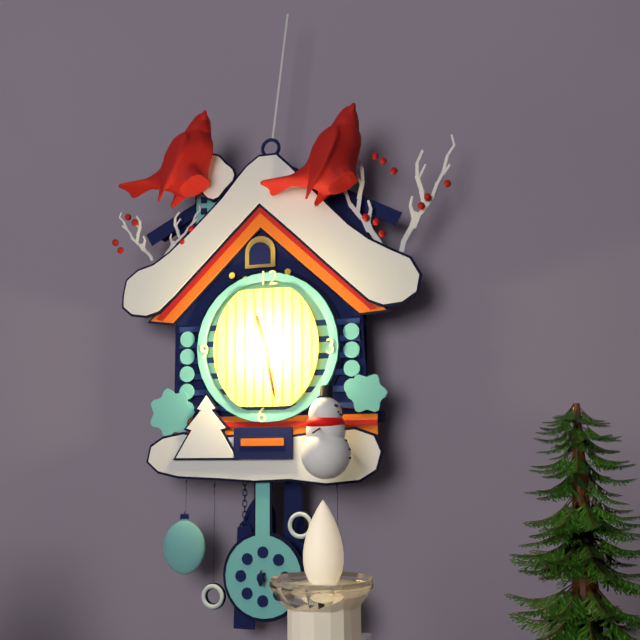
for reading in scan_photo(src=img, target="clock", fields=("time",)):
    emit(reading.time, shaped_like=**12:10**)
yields **11:28**
